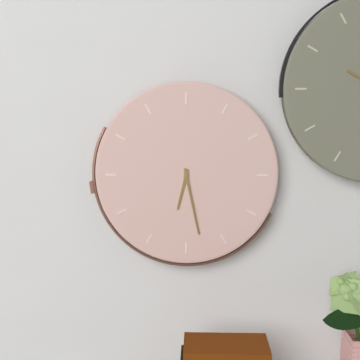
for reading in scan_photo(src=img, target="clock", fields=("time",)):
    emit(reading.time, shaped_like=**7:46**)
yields **6:28**
